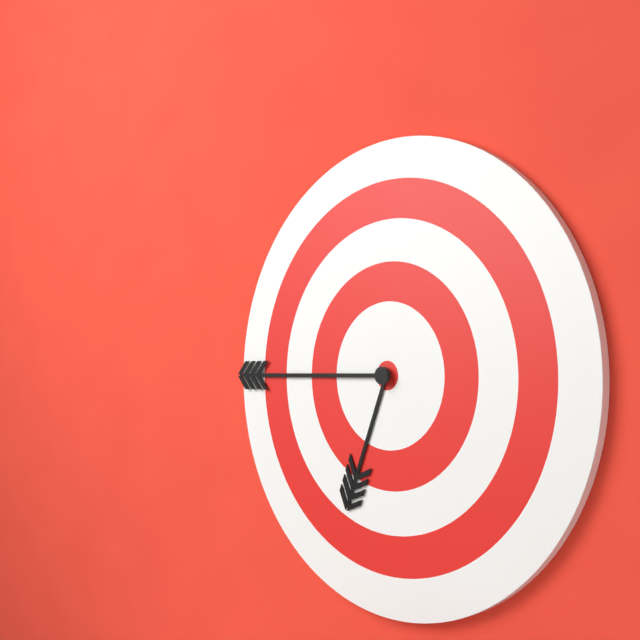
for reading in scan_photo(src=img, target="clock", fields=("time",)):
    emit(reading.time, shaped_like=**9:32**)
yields **6:45**
